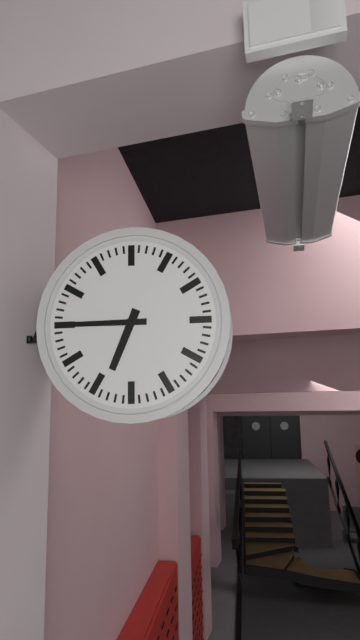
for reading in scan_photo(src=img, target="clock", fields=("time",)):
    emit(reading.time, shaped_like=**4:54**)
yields **6:45**
